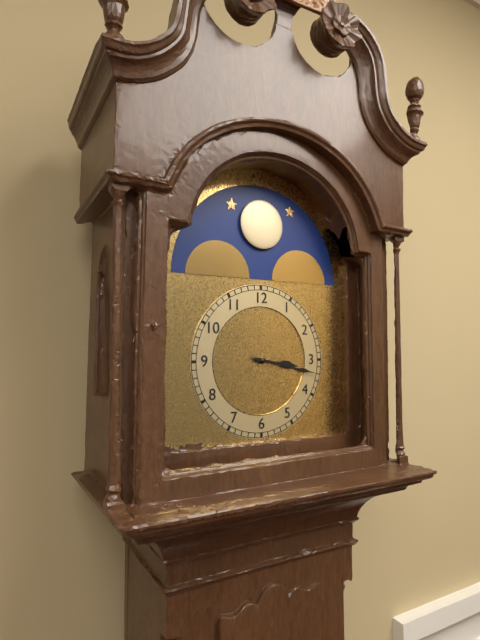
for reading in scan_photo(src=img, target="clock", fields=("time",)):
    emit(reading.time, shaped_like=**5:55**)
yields **3:17**
